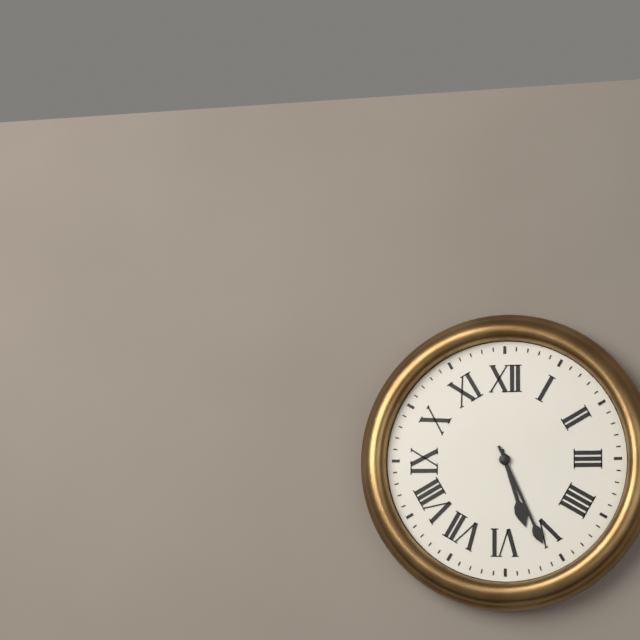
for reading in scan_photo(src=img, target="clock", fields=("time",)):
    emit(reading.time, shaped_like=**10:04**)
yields **5:26**
